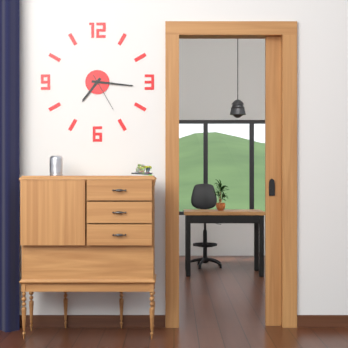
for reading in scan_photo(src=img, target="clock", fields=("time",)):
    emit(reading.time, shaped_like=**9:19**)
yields **7:16**
